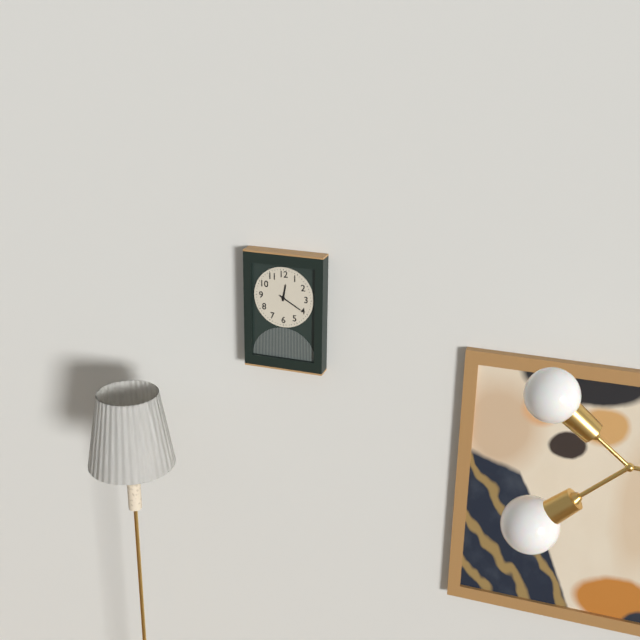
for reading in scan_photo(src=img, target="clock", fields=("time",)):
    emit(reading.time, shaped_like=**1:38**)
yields **12:20**
